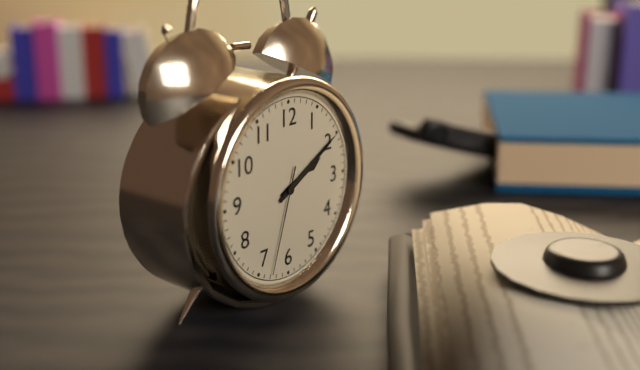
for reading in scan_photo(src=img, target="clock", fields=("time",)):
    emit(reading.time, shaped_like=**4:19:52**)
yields **2:10:33**
